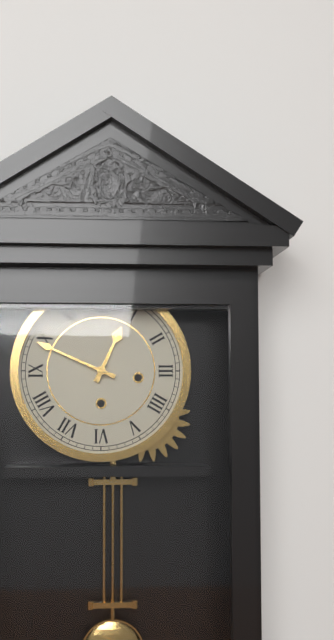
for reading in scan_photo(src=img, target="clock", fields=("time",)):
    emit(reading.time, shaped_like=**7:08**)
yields **12:49**
